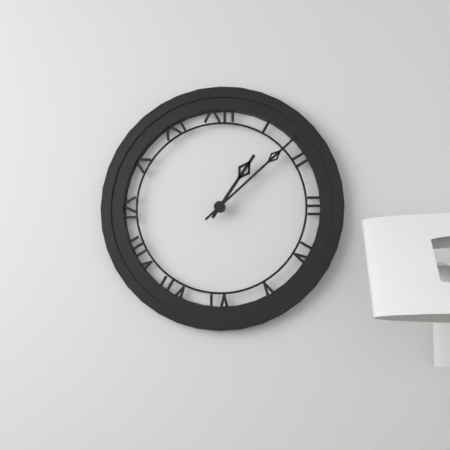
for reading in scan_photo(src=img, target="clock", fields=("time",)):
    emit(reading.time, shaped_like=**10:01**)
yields **1:08**
